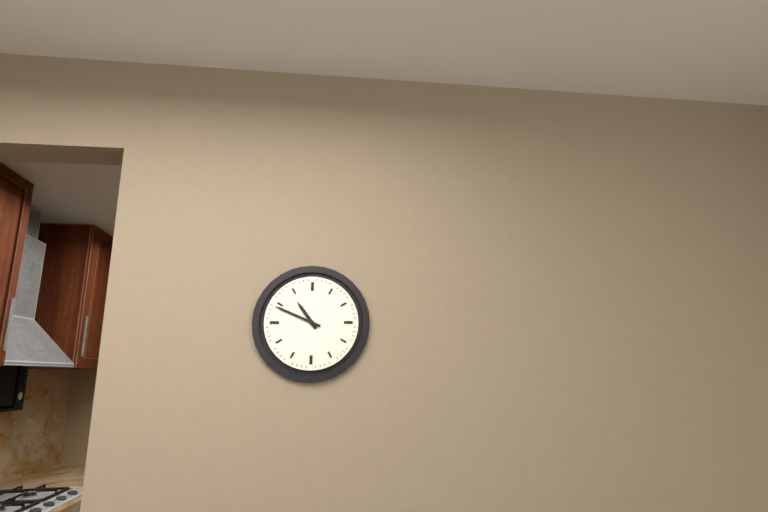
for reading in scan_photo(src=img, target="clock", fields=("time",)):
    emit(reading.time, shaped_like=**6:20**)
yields **10:49**
